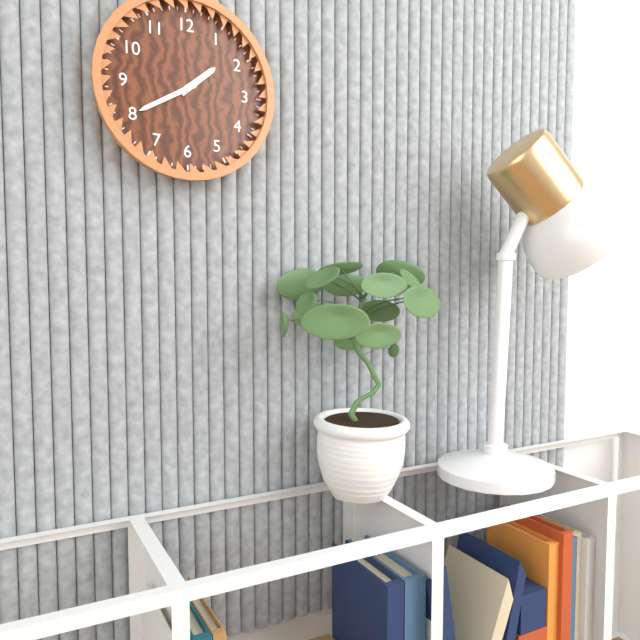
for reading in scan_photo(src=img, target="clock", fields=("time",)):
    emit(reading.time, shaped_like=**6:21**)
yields **1:40**
